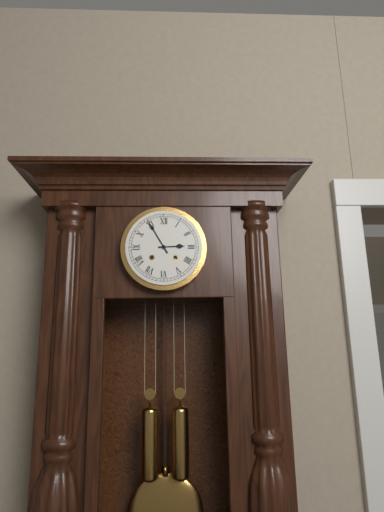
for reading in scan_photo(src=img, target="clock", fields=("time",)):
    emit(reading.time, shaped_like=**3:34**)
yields **2:55**
